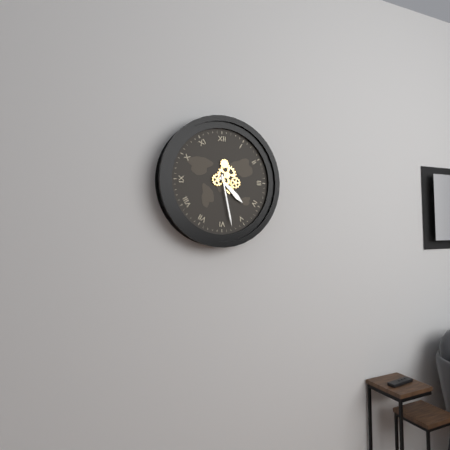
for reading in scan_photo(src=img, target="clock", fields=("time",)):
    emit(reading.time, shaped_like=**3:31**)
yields **4:28**
